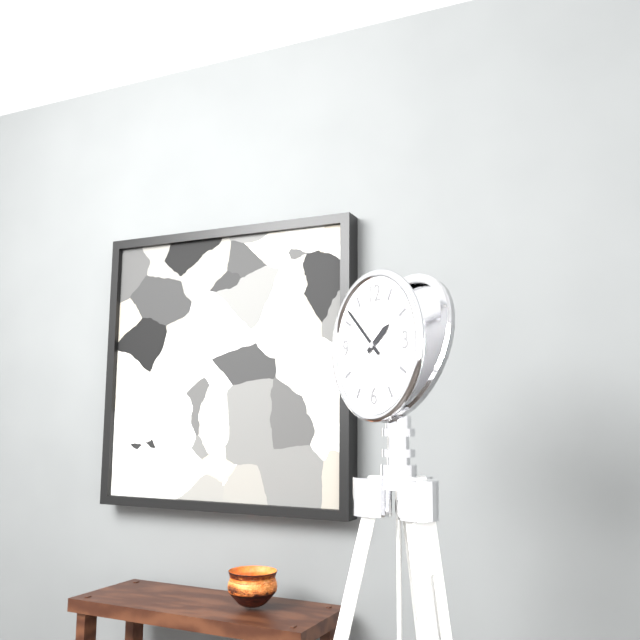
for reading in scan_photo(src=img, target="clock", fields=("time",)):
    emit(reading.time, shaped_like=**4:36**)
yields **1:52**
